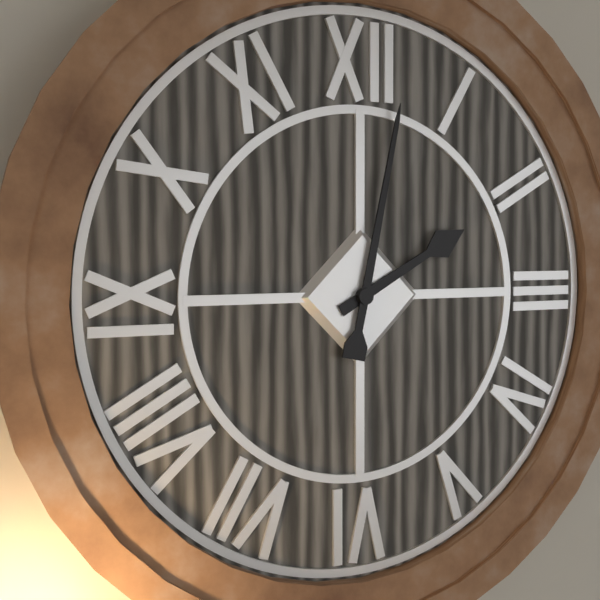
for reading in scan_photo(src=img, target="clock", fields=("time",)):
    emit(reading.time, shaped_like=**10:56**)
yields **2:02**
